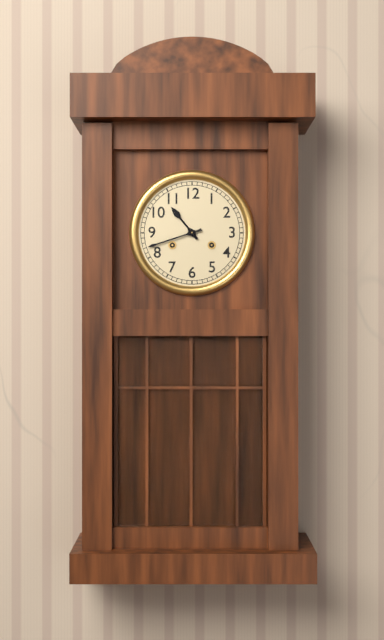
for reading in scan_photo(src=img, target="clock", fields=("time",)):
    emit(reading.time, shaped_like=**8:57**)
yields **10:42**
